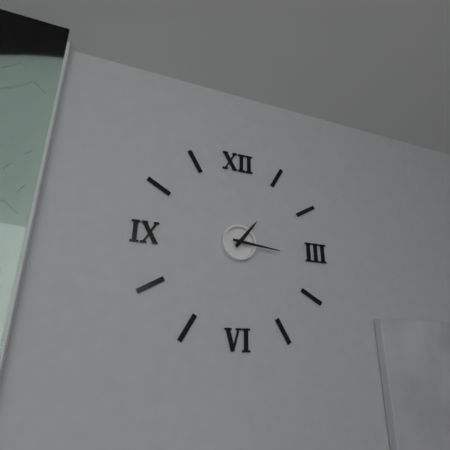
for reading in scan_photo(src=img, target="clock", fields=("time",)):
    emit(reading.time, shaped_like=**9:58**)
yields **1:16**
